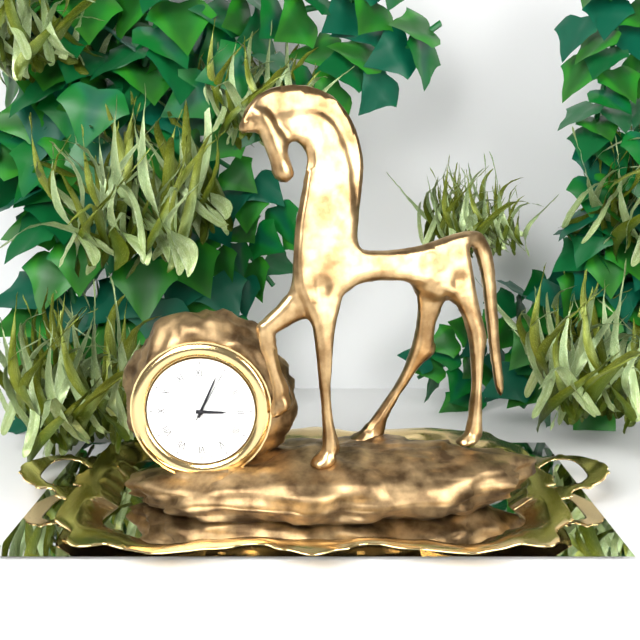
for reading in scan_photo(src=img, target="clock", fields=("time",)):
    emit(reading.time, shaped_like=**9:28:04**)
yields **3:04:05**
